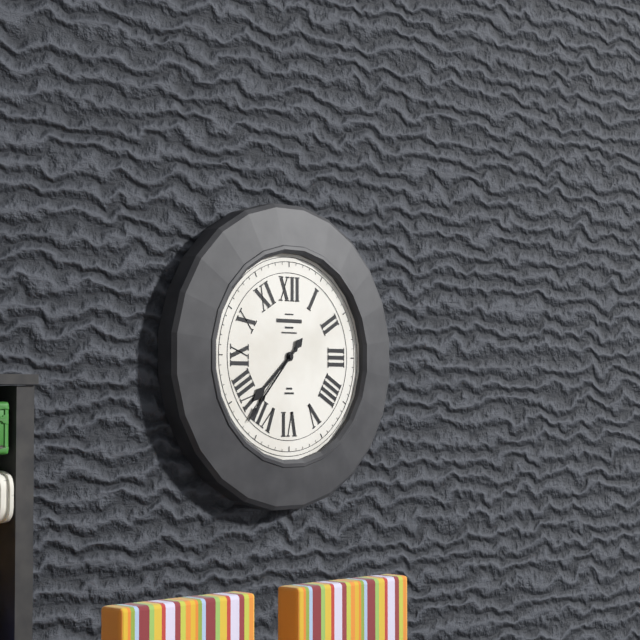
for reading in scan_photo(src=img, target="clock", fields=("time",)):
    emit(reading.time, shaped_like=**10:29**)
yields **7:37**
